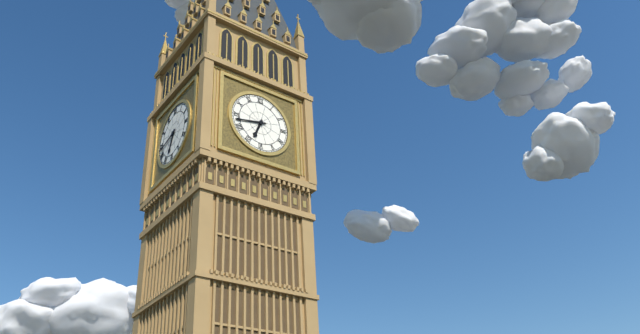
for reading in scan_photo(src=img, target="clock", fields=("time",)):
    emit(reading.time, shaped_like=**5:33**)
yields **6:43**
